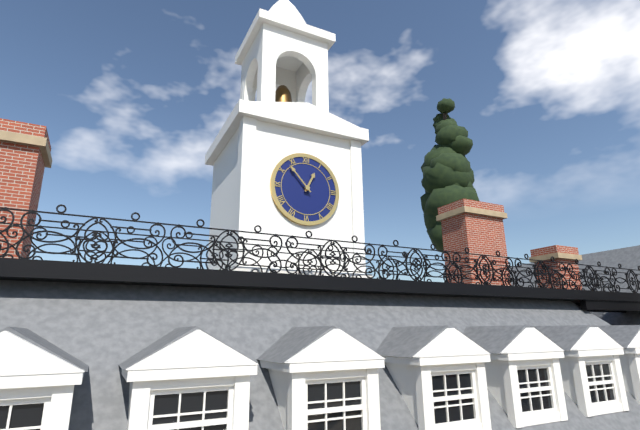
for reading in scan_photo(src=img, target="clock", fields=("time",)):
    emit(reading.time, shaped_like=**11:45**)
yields **12:53**
